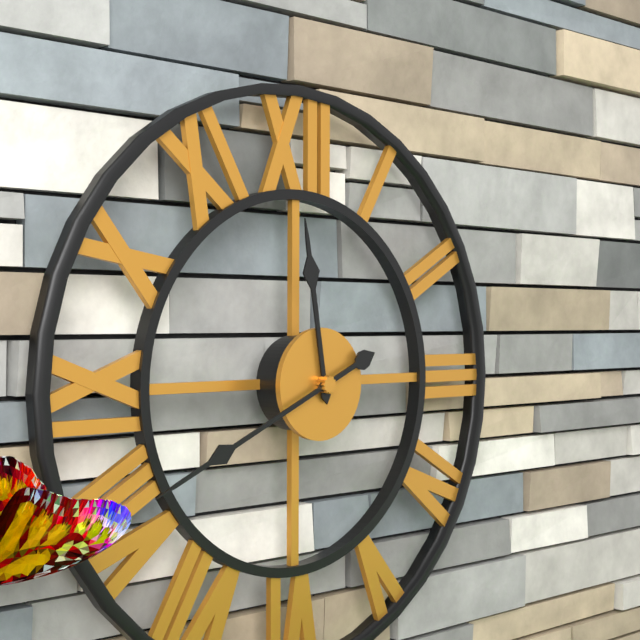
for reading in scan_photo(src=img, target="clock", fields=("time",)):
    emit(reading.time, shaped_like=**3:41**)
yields **11:41**
